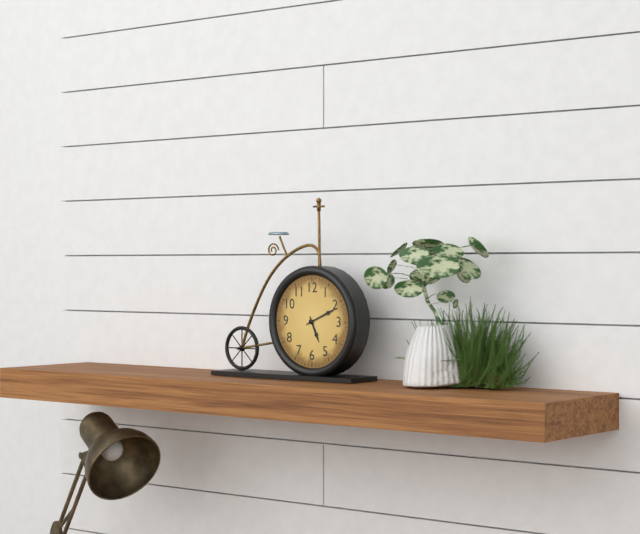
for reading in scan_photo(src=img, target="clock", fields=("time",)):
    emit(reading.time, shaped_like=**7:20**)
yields **5:11**
